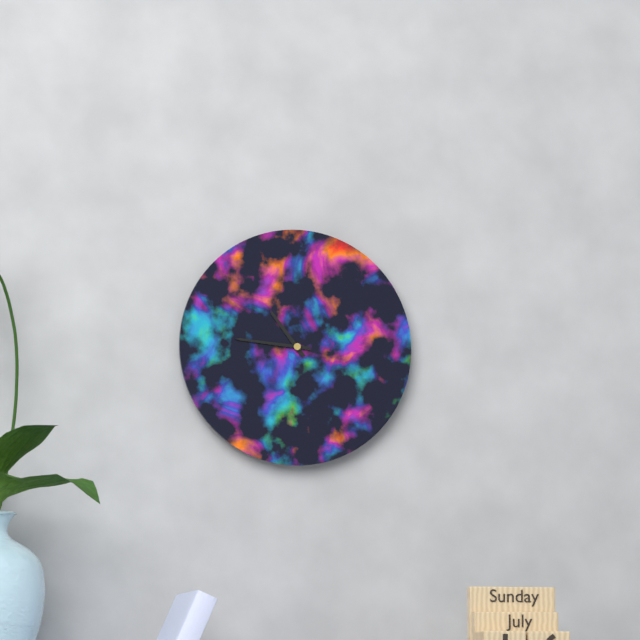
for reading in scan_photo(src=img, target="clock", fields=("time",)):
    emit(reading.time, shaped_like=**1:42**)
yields **10:46**
